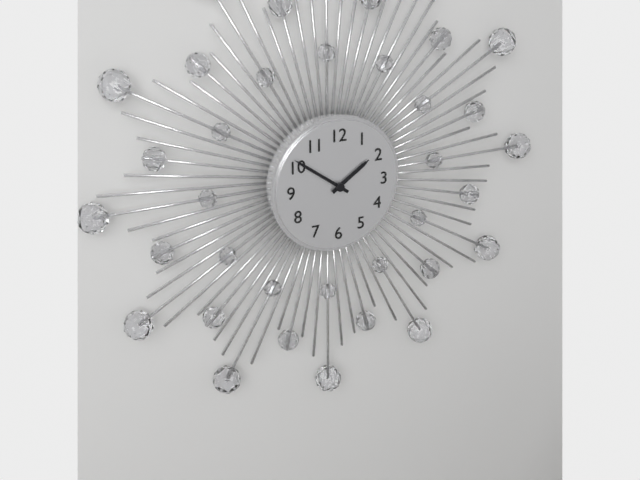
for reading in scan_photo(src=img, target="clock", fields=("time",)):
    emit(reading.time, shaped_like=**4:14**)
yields **1:51**
